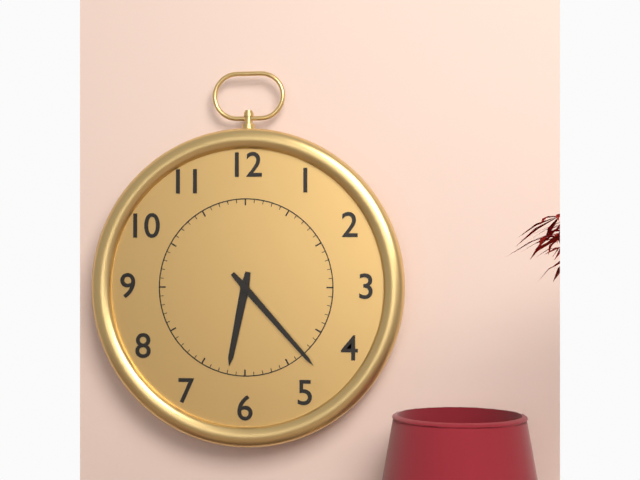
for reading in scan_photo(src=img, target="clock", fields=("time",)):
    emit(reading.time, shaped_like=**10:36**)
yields **6:23**
